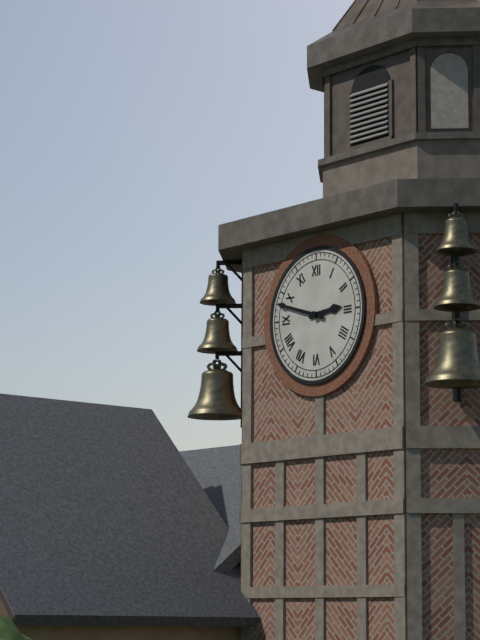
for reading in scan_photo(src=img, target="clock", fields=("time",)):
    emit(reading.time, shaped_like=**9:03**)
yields **2:48**
